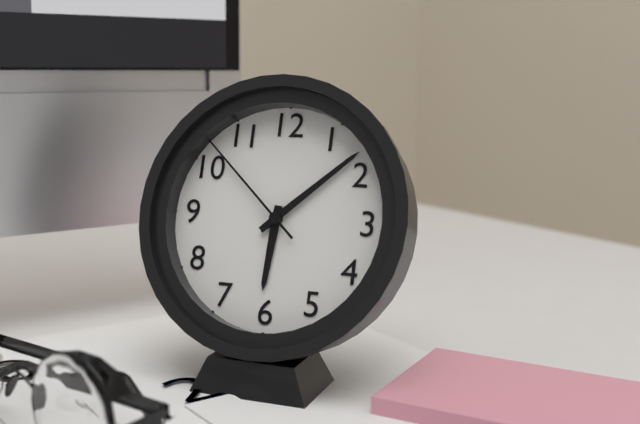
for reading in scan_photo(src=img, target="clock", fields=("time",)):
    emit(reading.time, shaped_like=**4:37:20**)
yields **6:08:52**
